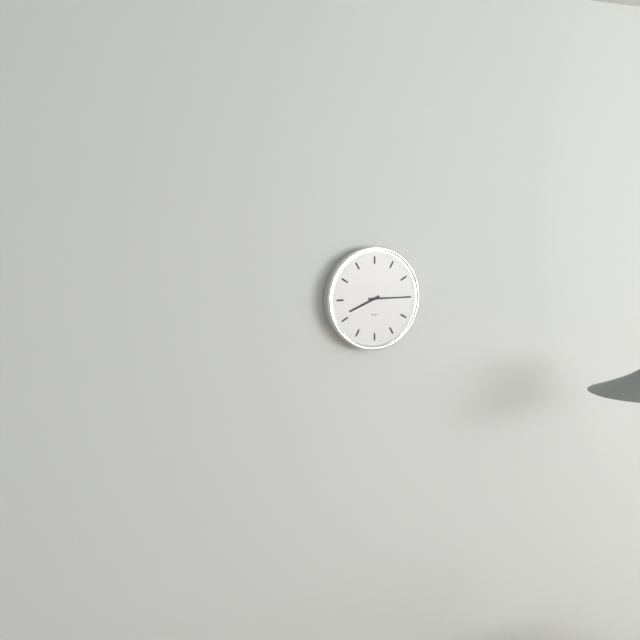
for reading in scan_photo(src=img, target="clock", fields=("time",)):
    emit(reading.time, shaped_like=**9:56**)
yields **8:15**
